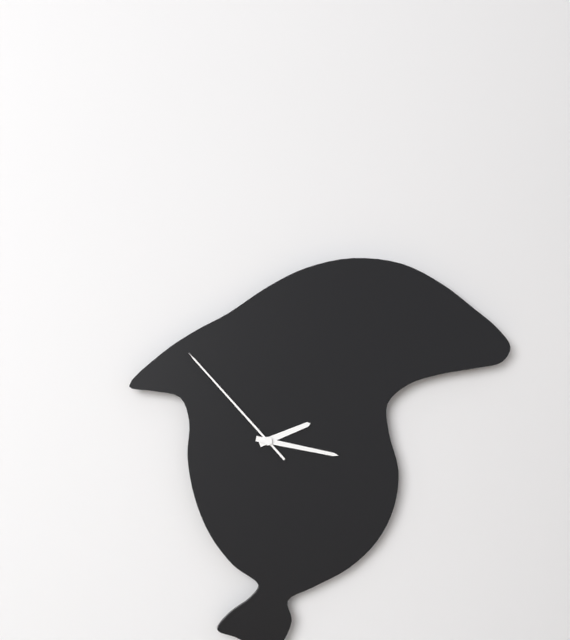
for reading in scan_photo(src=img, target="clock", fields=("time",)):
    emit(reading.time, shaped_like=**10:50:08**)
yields **2:17:53**
